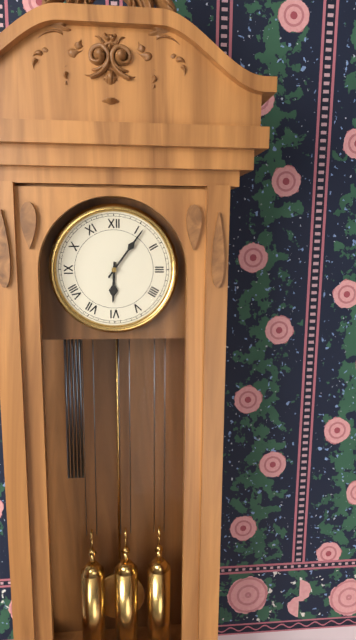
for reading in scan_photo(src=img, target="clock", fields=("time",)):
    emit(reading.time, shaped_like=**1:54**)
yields **6:06**
